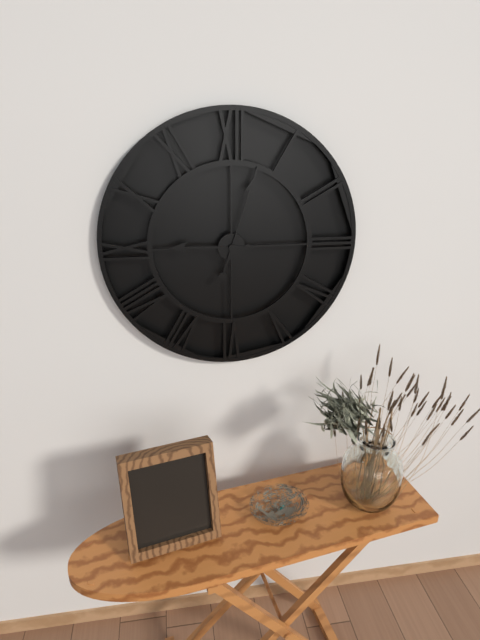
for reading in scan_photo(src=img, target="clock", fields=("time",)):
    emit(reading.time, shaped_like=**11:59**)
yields **9:03**
